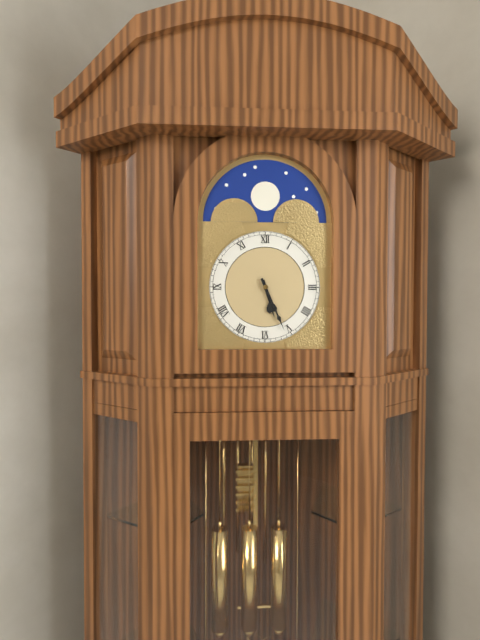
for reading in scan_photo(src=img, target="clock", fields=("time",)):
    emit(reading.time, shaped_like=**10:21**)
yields **5:26**
